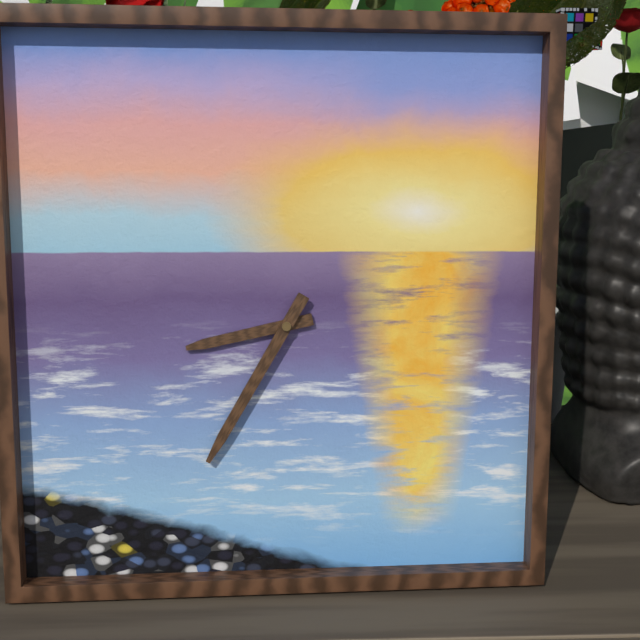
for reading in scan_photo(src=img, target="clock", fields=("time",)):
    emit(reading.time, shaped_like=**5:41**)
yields **8:35**
